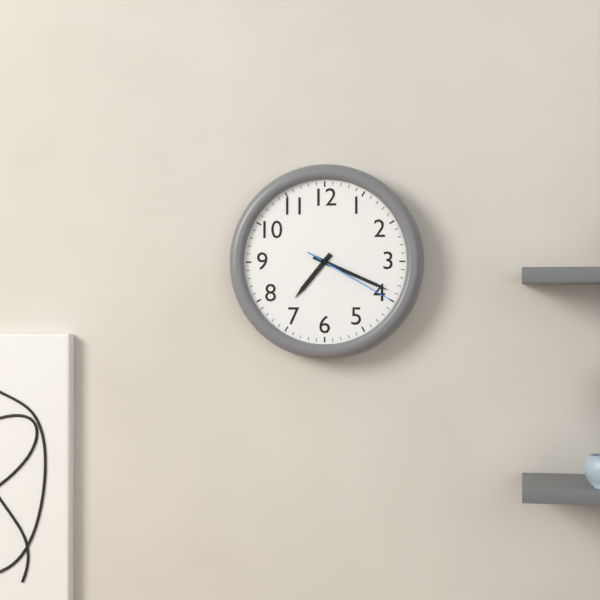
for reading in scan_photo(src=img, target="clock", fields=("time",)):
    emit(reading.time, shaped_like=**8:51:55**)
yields **7:19:20**
